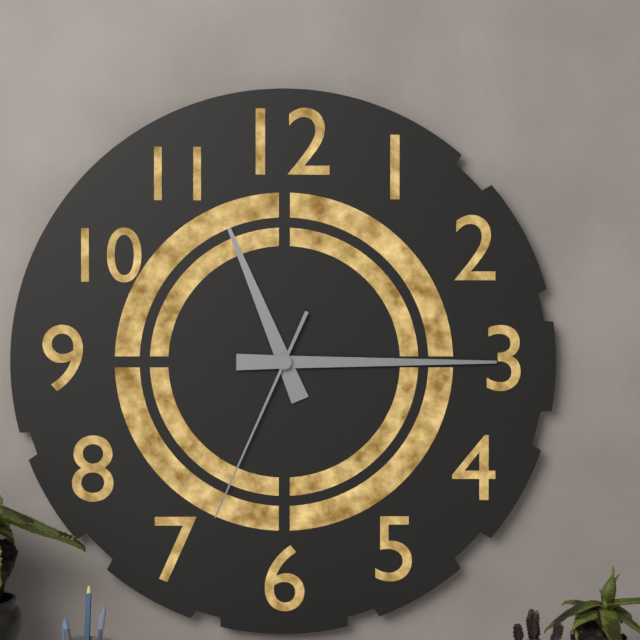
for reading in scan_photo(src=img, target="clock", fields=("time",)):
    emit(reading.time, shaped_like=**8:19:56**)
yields **11:15:34**
